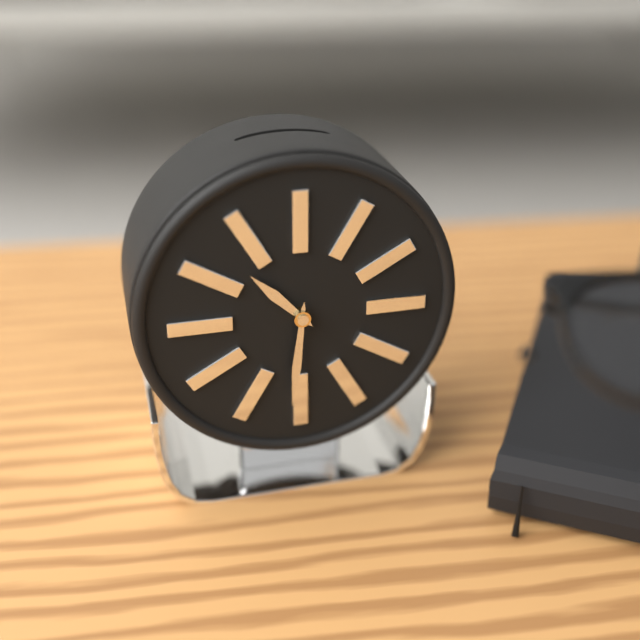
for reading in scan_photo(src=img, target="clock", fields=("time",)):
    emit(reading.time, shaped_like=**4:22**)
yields **10:31**
